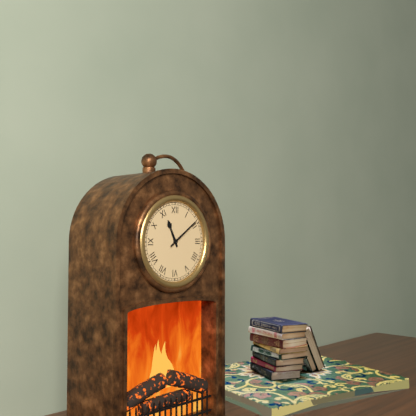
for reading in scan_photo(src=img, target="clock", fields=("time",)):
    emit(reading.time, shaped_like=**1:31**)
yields **11:09**
